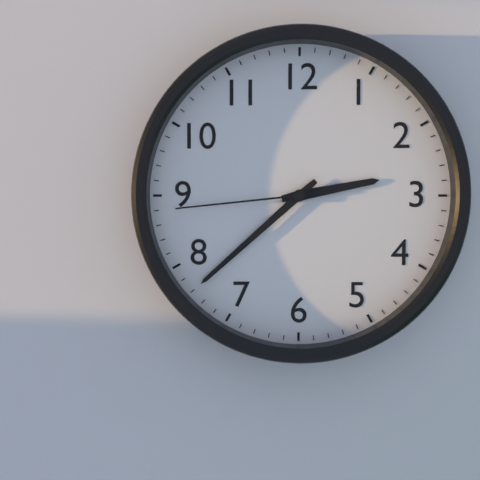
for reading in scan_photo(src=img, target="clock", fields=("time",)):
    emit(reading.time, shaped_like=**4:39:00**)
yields **2:38:44**
